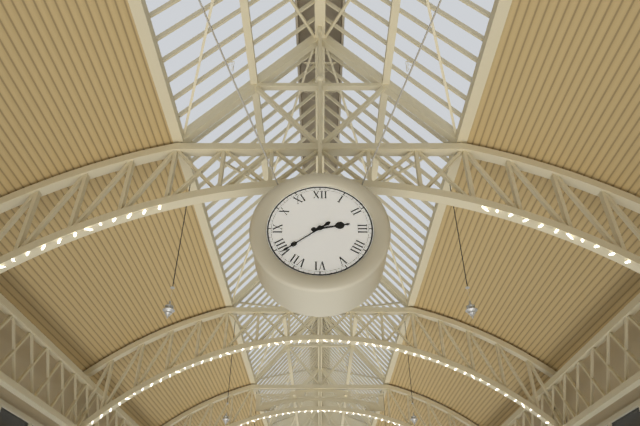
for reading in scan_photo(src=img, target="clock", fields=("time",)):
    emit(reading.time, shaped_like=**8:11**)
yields **2:39**
